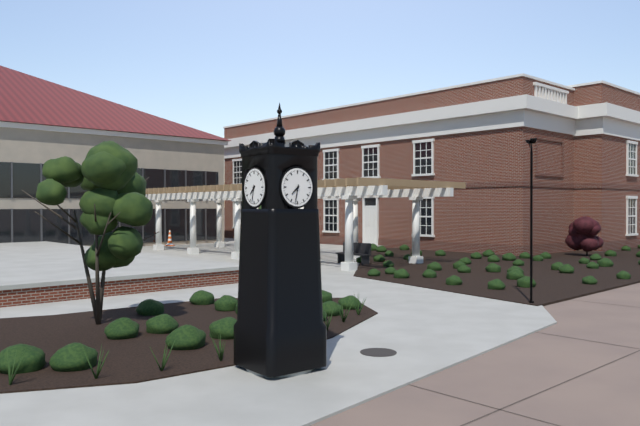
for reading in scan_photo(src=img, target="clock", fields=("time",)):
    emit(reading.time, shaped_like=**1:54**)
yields **7:32**
